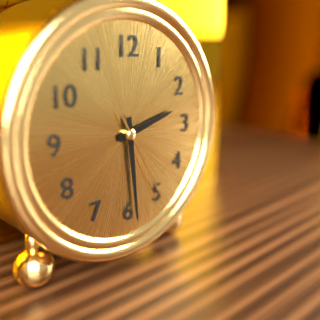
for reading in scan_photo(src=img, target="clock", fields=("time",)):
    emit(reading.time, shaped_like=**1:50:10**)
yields **2:29:25**
